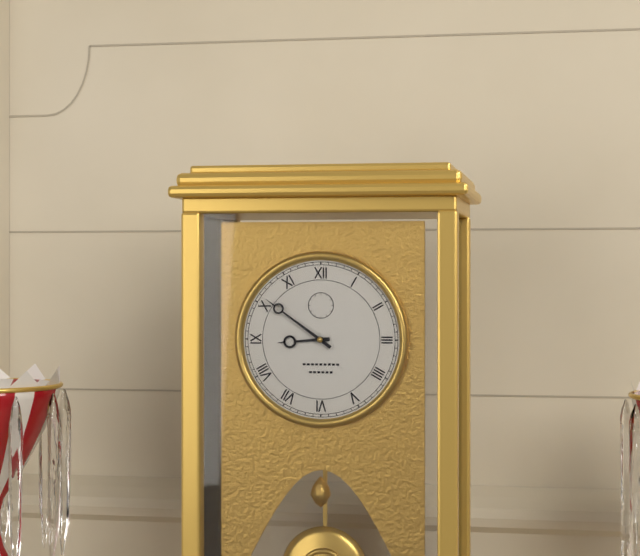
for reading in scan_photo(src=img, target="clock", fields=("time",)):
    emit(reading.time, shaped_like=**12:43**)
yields **8:51**
